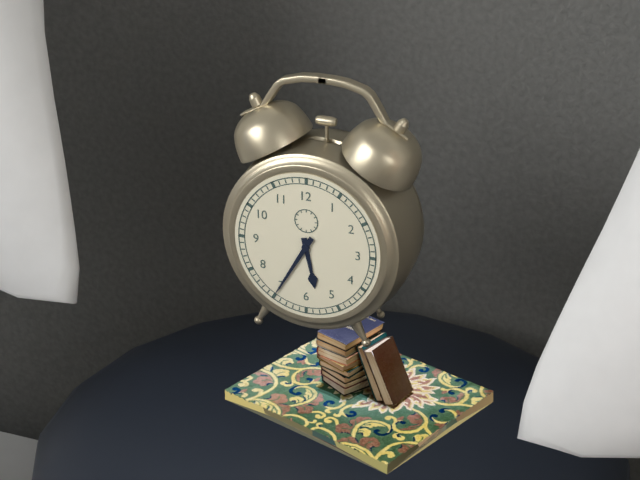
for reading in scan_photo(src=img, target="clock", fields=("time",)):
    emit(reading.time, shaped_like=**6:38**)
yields **5:35**
